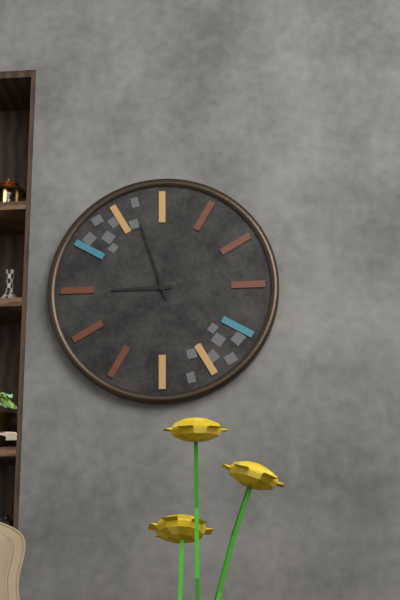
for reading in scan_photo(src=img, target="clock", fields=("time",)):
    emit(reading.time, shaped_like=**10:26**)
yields **8:57**
